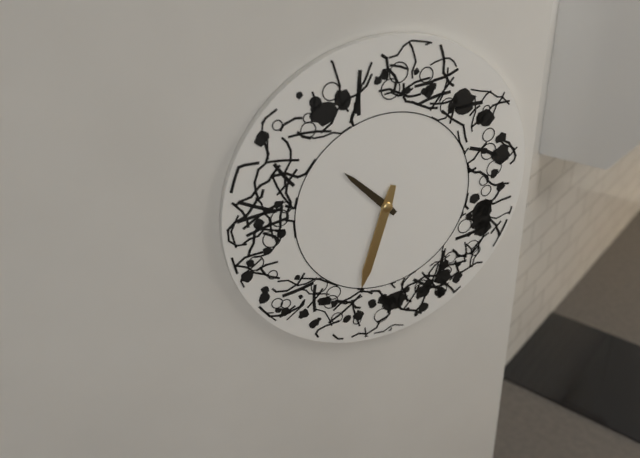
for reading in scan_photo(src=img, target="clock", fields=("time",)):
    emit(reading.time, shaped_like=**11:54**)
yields **10:33**
